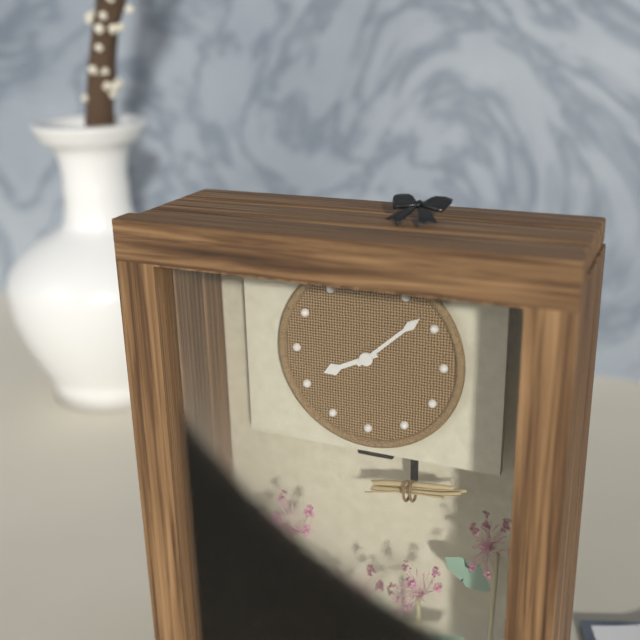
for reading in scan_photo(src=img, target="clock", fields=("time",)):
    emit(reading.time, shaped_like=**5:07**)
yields **8:08**
